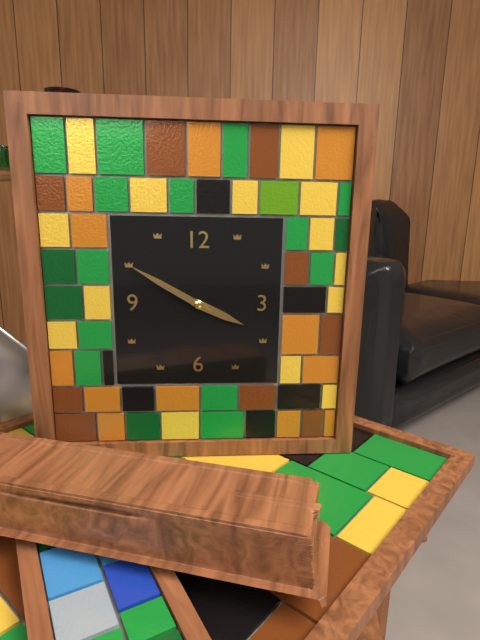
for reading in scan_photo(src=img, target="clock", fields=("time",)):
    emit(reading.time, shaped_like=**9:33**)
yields **3:50**
